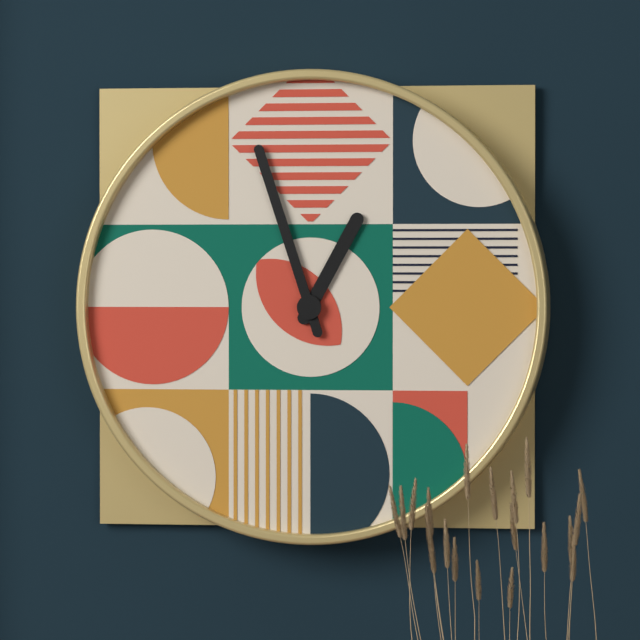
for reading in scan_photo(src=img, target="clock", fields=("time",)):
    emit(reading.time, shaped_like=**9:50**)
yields **12:57**
